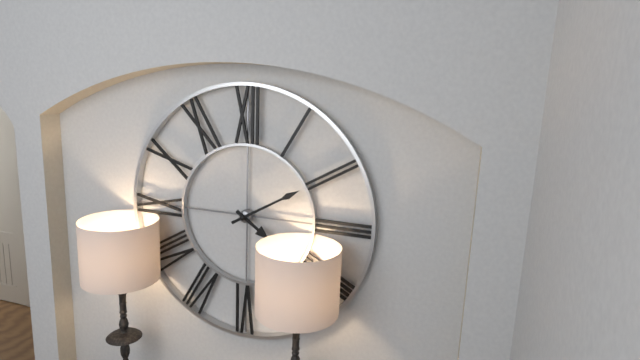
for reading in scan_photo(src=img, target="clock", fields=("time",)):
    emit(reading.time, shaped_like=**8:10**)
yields **4:10**
